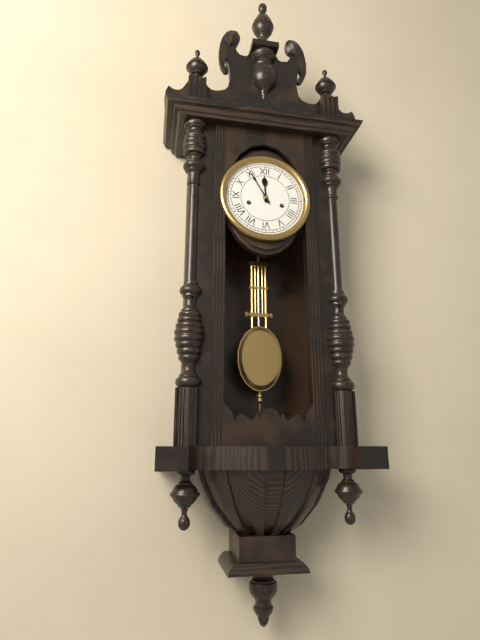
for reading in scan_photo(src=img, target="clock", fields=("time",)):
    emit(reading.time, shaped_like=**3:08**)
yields **11:55**
